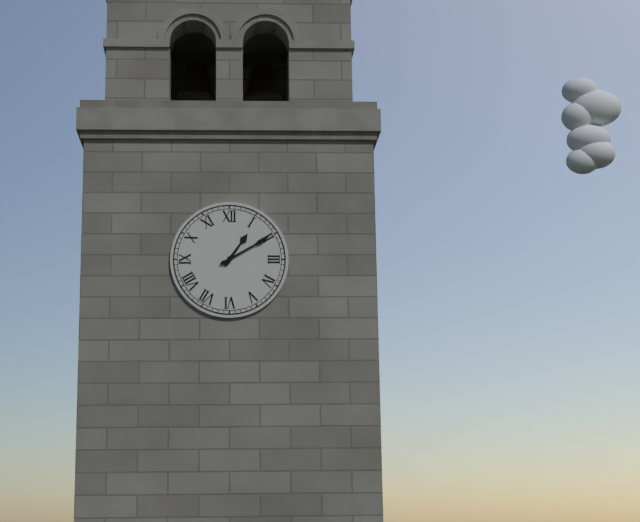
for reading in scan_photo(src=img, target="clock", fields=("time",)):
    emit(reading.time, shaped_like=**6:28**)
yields **1:10**
